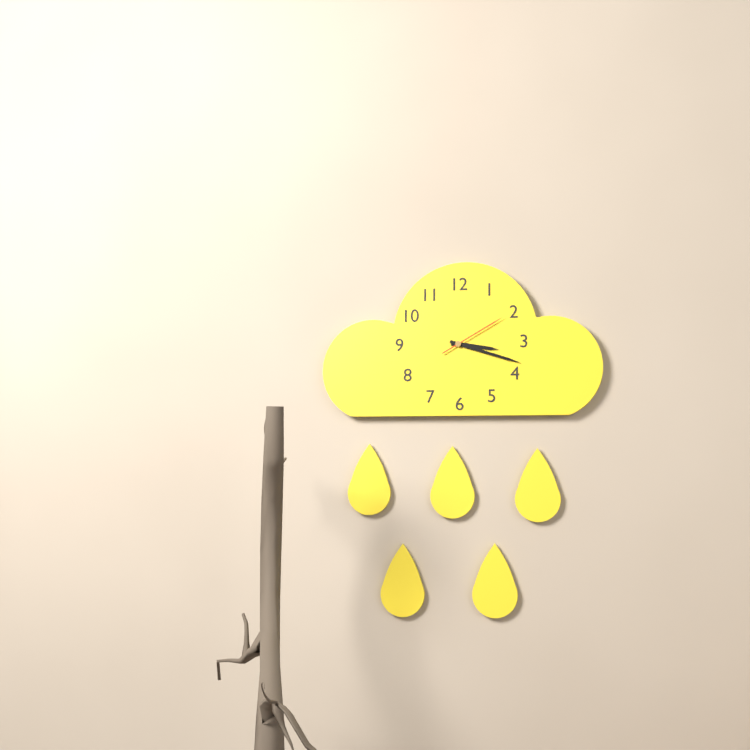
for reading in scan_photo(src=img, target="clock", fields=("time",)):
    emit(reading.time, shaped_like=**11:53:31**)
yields **3:18:10**
